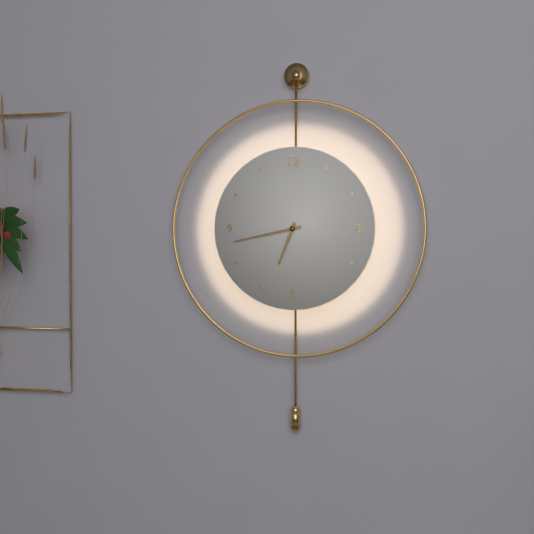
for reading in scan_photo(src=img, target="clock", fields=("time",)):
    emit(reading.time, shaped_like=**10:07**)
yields **6:43**
